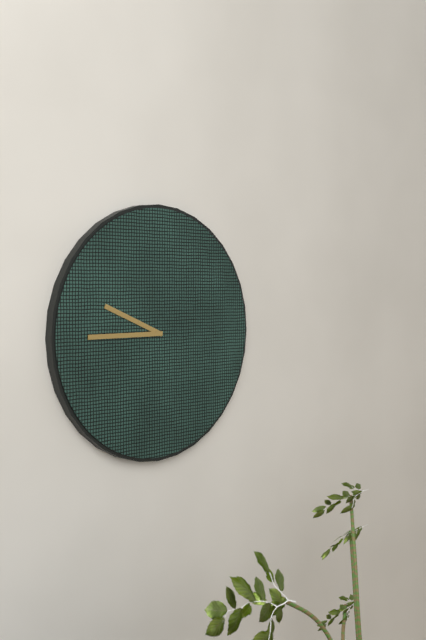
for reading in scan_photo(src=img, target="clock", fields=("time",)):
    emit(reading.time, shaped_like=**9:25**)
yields **9:45**
